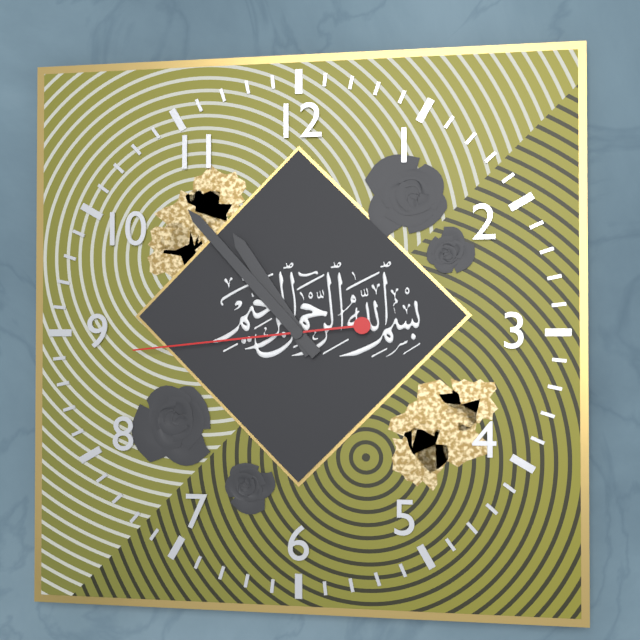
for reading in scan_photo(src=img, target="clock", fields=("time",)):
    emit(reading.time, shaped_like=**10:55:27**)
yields **10:53:44**
